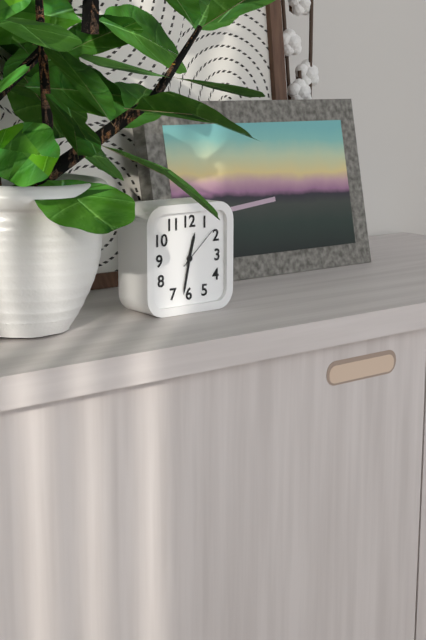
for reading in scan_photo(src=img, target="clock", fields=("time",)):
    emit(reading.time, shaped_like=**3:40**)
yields **12:32**
